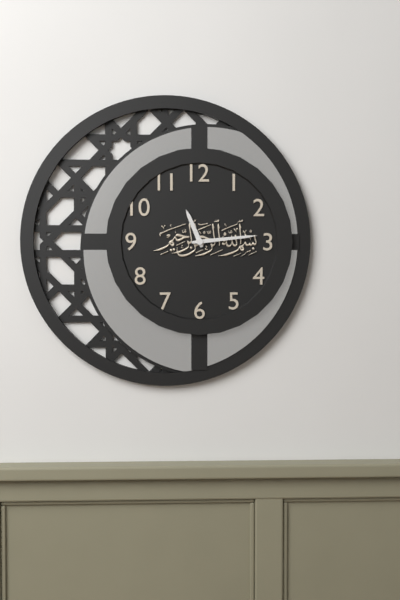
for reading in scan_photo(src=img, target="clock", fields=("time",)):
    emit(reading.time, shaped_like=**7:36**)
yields **11:14**
